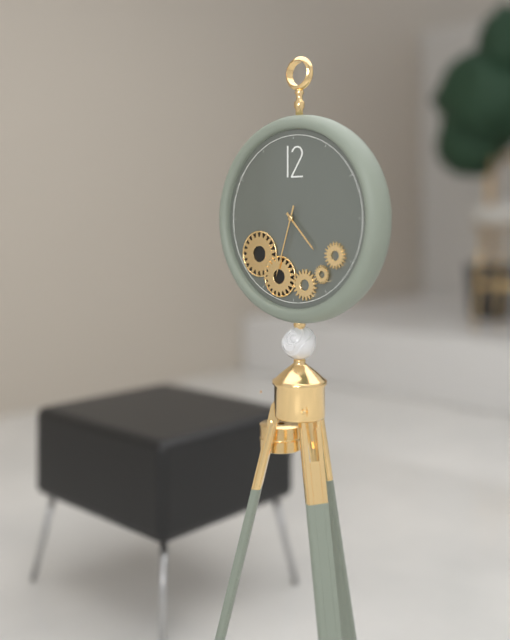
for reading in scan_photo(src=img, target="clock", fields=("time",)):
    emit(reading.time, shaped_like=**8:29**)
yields **4:33**
